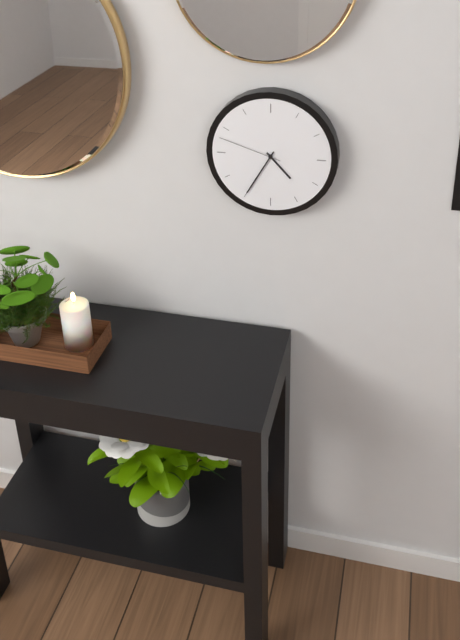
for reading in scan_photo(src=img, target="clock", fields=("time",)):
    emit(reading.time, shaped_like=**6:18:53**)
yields **4:35:48**
